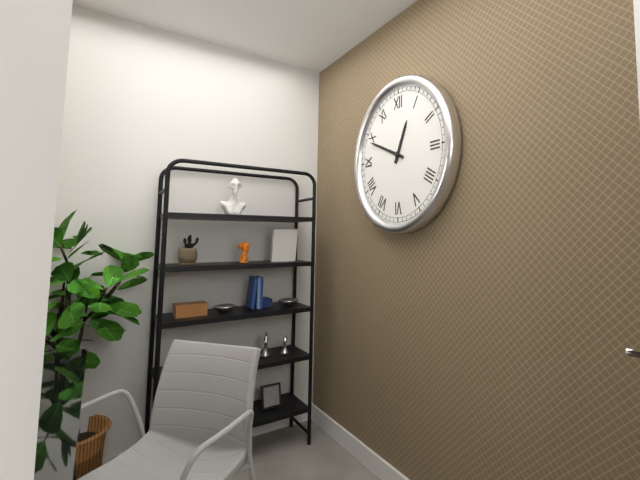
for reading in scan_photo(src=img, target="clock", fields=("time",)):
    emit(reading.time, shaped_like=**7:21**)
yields **12:49**
